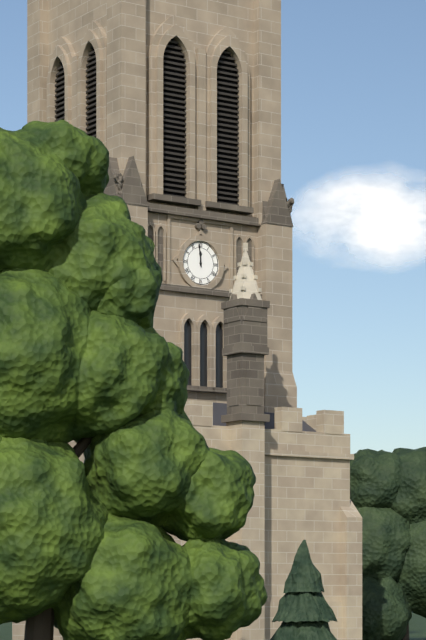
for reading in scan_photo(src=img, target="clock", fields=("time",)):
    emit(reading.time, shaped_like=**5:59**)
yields **11:59**
